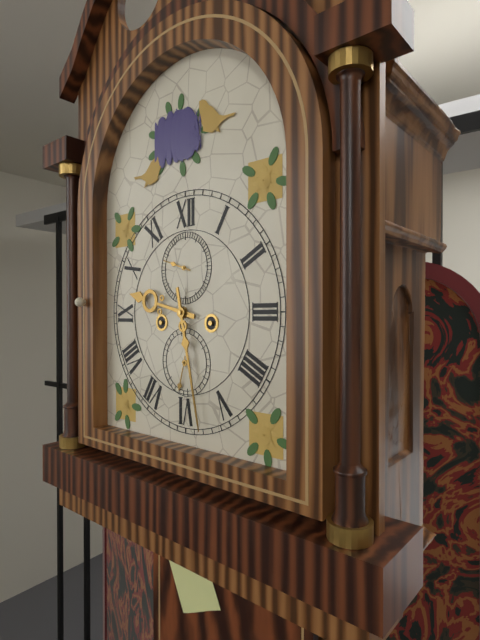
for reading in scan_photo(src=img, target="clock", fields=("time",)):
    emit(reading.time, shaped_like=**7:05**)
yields **9:28**
